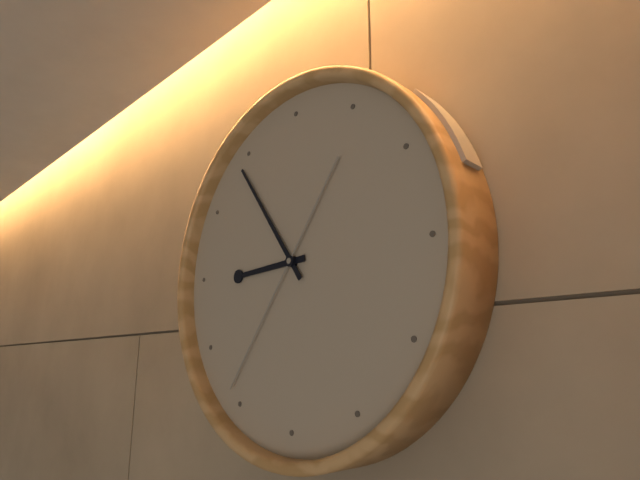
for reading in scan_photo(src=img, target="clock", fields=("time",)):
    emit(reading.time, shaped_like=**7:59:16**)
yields **8:54:36**
